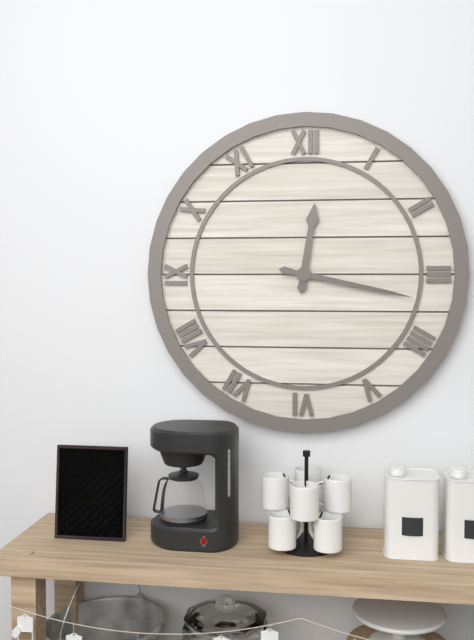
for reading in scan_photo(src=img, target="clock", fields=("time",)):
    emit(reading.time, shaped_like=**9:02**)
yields **12:17**
